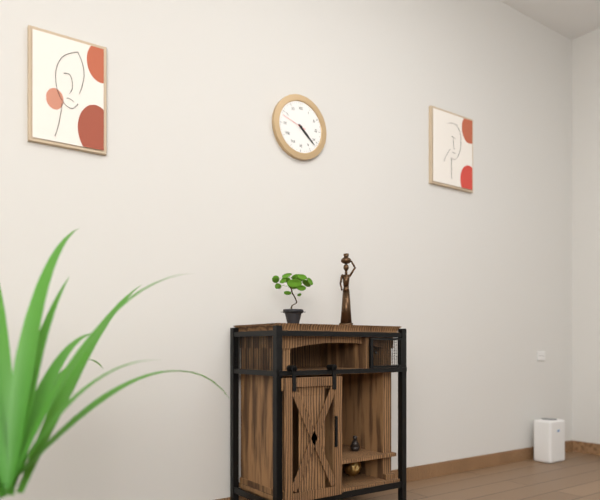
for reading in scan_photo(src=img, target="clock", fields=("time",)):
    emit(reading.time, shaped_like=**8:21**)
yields **4:22**
